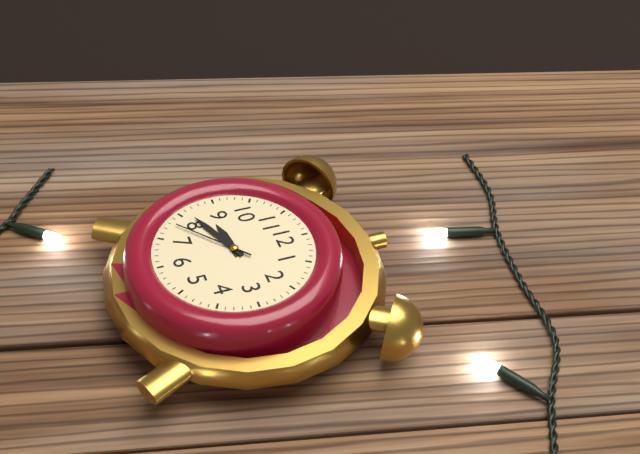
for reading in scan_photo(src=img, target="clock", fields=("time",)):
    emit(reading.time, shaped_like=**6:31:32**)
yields **8:41:38**
